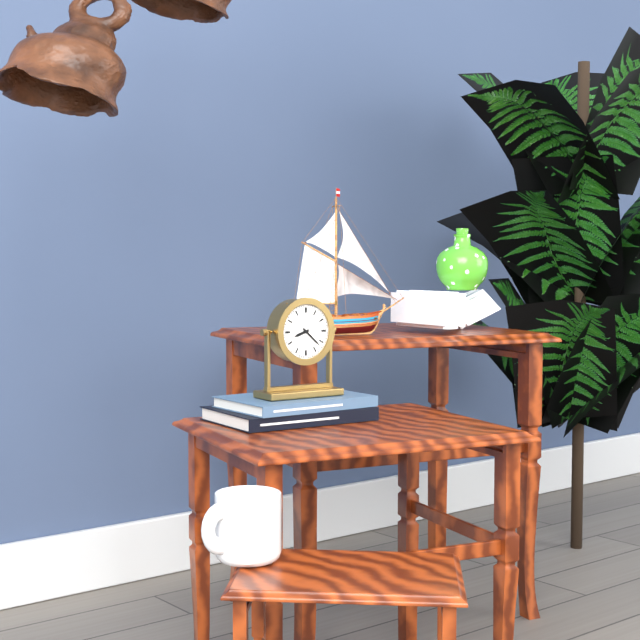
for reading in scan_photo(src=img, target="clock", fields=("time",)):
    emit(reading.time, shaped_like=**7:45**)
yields **8:22**
